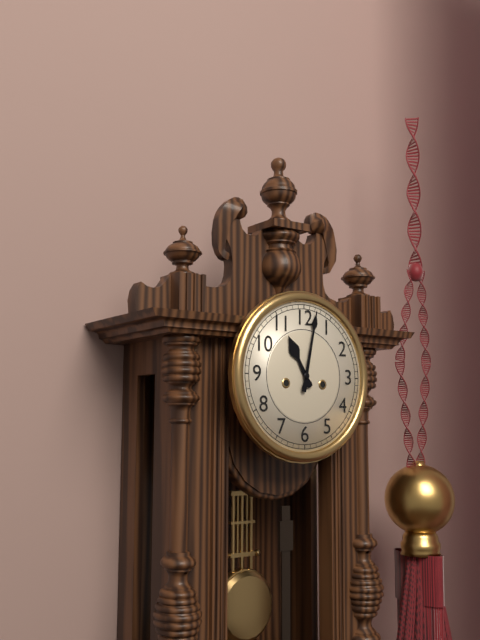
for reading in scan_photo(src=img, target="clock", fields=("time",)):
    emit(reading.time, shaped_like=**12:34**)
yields **11:02**
